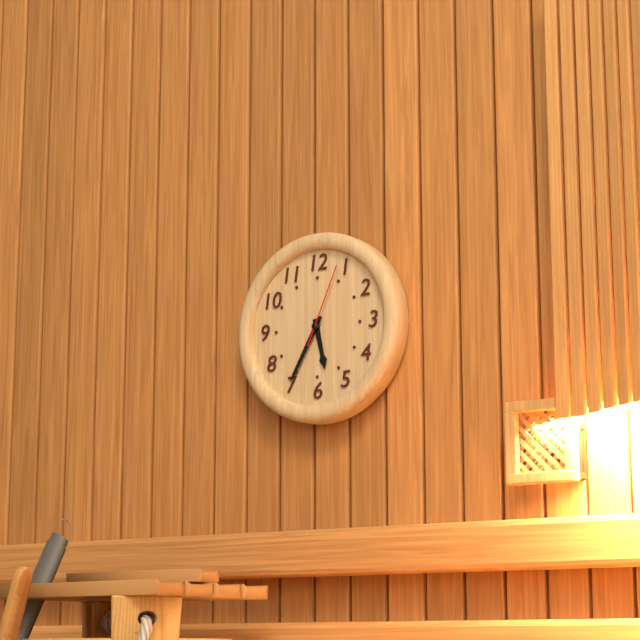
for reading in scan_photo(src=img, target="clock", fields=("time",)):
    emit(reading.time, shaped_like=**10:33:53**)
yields **5:35:04**
